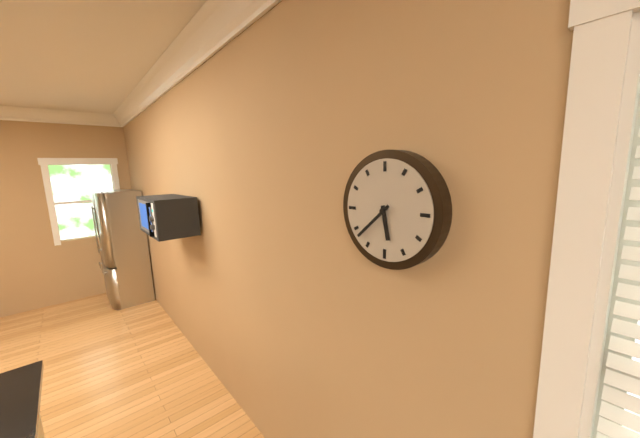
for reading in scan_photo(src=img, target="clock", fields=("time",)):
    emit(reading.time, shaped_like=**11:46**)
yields **5:38**
